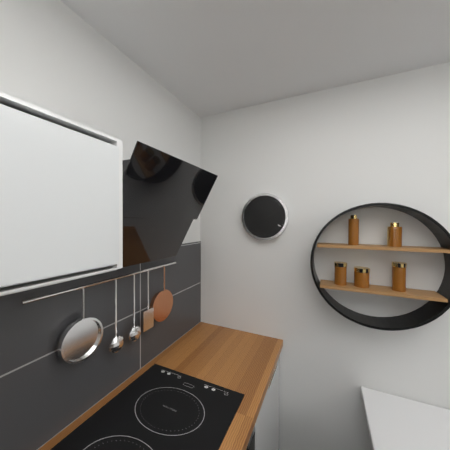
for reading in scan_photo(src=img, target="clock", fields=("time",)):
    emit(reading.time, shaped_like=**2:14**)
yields **2:17**
